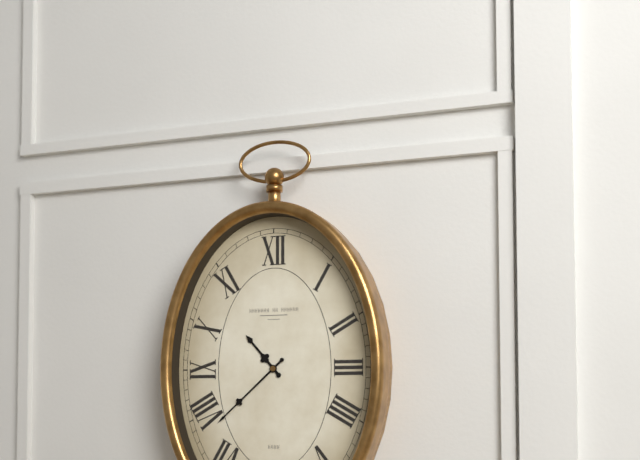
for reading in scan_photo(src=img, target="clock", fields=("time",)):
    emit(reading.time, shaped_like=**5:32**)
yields **10:38**
